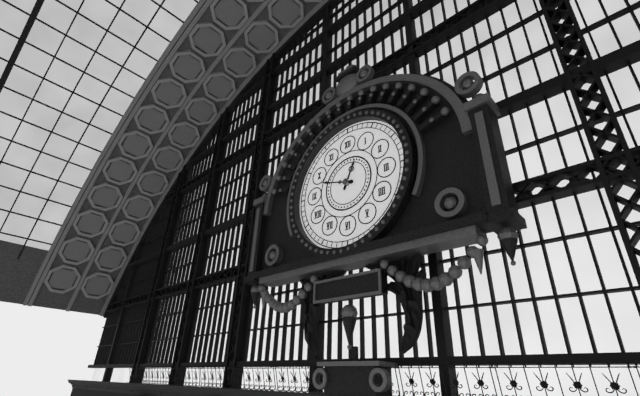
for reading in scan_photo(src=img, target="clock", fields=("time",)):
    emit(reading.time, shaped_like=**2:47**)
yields **12:48**
